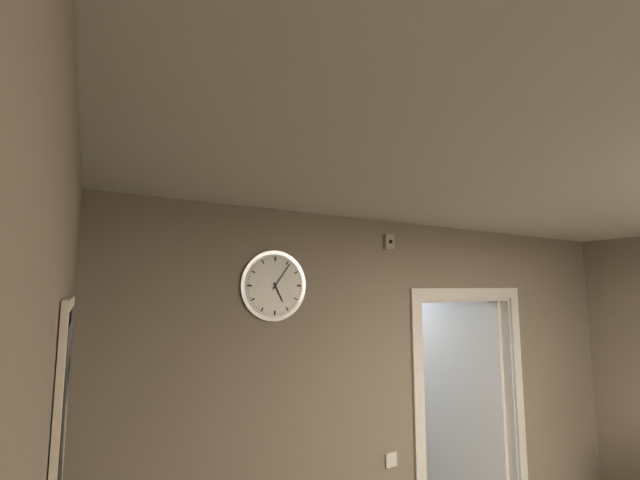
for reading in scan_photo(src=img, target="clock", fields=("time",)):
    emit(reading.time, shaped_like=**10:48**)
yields **5:06**
